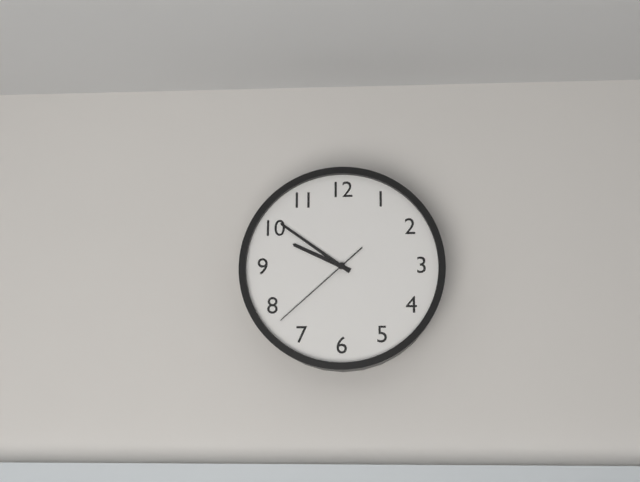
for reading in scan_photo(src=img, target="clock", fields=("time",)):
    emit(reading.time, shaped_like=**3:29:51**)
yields **9:51:38**
